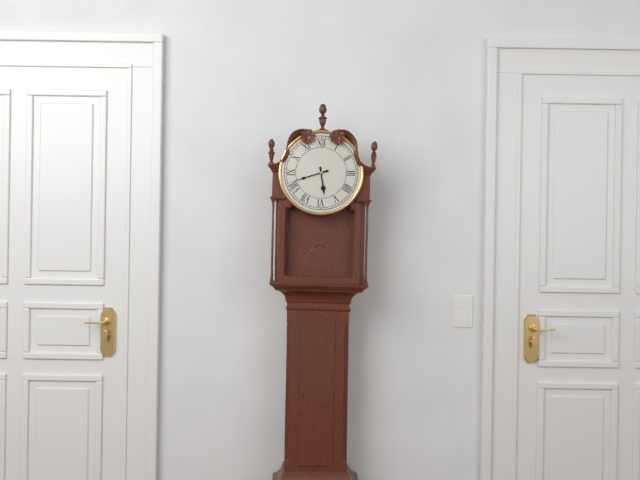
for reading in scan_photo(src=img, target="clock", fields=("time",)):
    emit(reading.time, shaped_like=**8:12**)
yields **5:42**
